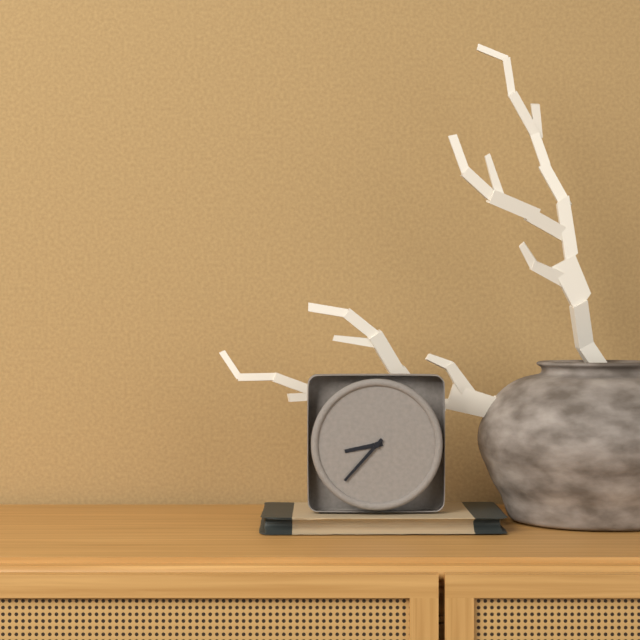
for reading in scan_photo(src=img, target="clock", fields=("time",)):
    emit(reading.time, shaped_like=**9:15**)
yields **8:37**
